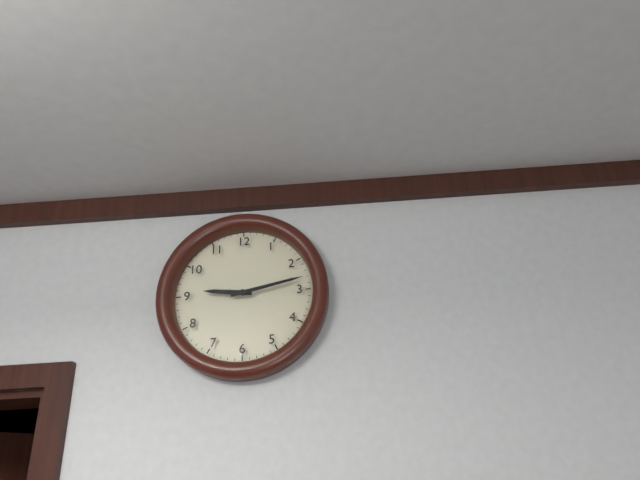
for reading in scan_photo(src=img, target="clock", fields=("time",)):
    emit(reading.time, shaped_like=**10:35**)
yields **9:13**
